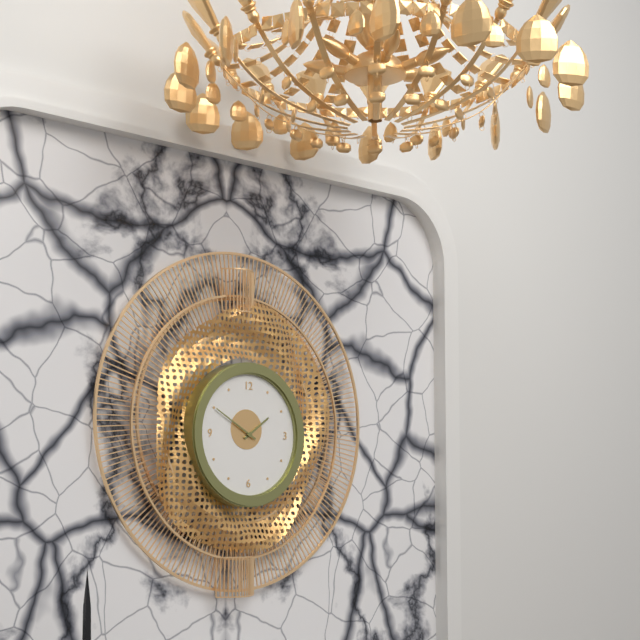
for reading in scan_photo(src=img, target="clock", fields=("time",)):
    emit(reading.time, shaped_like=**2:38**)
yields **1:50**
